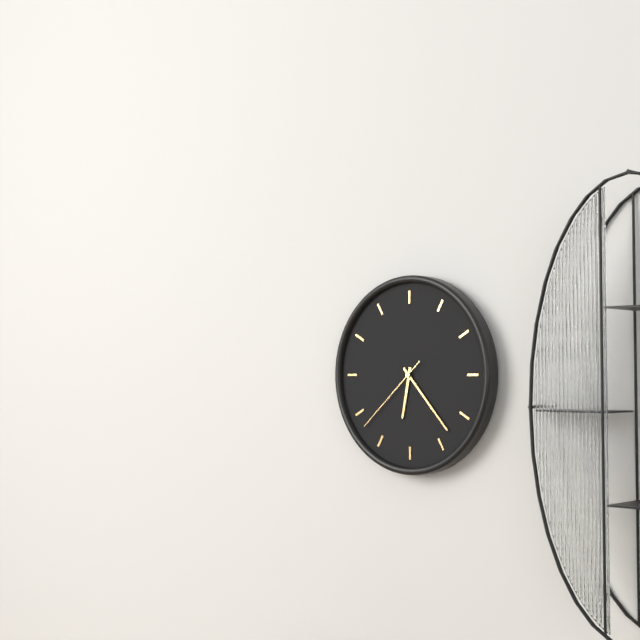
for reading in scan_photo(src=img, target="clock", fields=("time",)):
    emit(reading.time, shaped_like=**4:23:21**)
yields **6:23:38**
